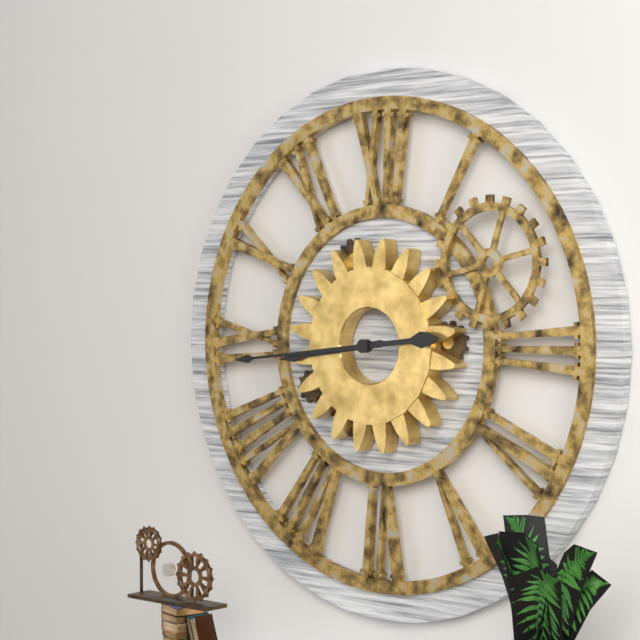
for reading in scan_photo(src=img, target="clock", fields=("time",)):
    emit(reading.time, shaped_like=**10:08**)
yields **8:44**
